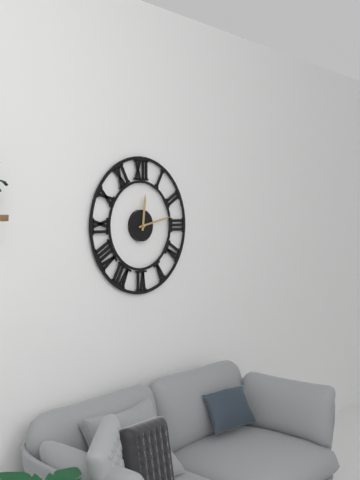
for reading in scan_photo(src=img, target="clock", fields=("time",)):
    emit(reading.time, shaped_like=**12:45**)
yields **12:13**
